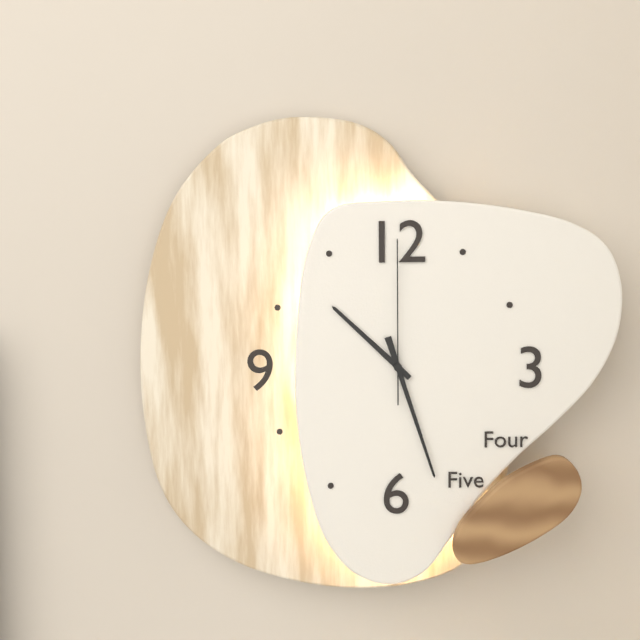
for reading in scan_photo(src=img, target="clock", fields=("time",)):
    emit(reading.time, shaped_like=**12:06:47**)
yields **10:27:00**
